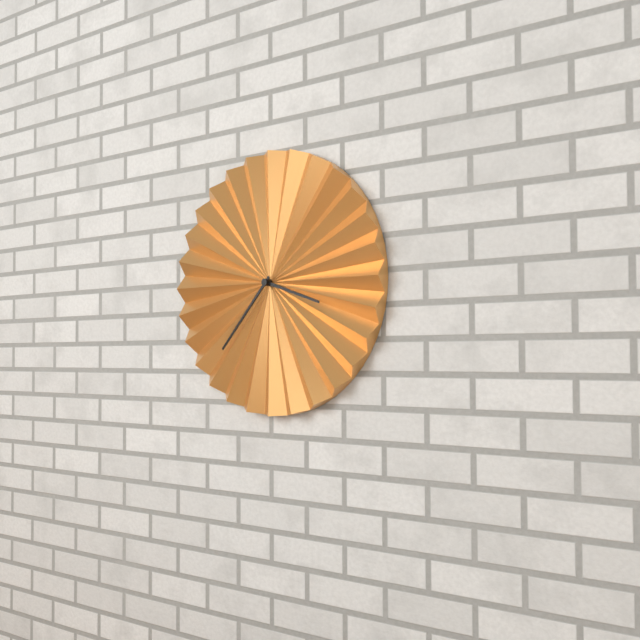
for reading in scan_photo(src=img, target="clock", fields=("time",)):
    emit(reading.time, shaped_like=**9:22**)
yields **3:37**
